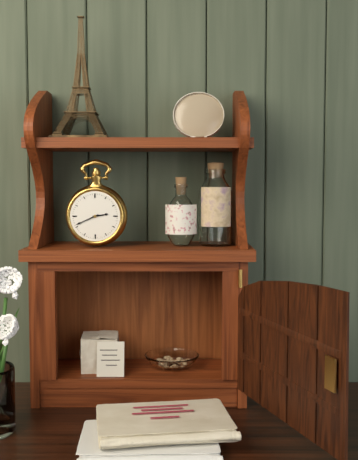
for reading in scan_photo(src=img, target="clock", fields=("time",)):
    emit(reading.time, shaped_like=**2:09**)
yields **2:41**
